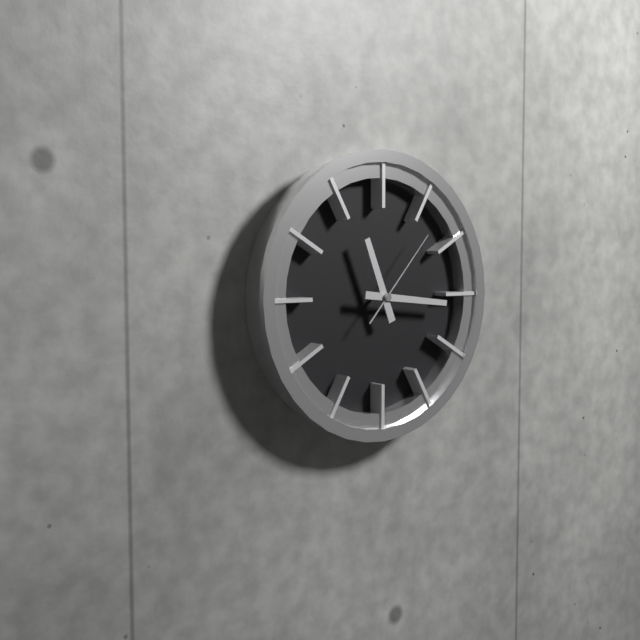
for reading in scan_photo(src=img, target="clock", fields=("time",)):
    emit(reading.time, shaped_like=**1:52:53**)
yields **11:16:07**
